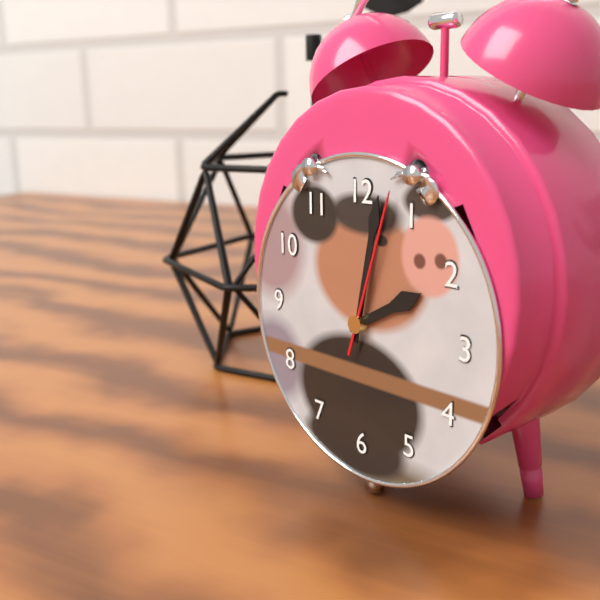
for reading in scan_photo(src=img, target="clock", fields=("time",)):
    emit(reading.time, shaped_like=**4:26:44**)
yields **2:02:03**
